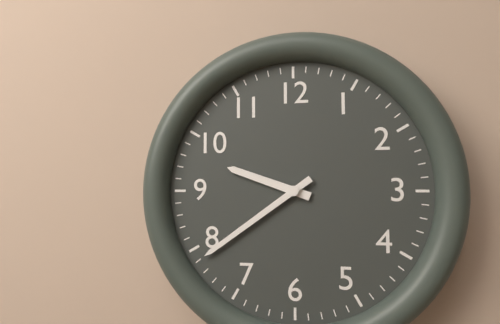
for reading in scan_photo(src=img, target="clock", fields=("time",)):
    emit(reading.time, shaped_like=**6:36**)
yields **9:39**
